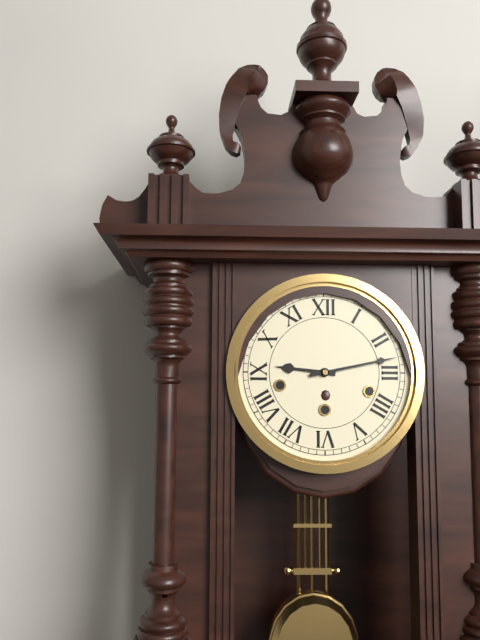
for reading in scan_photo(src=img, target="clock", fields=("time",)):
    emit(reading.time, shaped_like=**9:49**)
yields **9:13**
